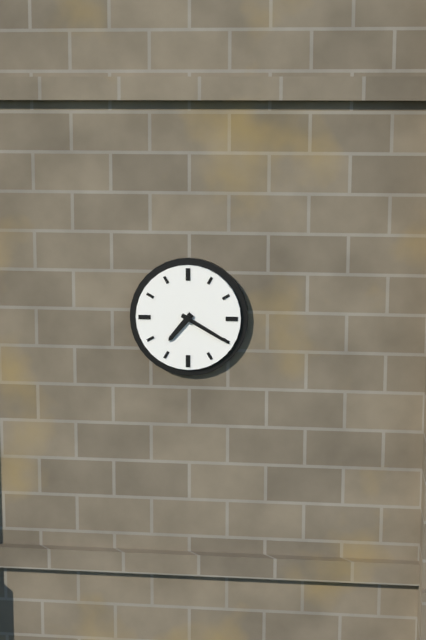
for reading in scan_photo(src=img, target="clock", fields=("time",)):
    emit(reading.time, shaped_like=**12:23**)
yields **7:20**
